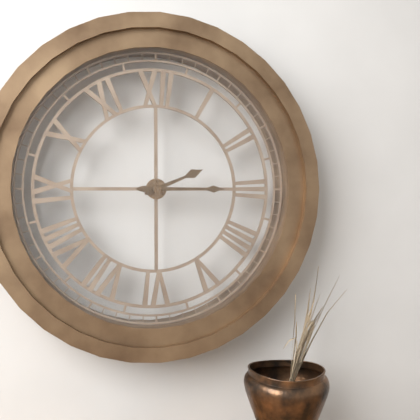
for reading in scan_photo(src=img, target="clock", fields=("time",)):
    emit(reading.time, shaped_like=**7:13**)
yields **2:15**
